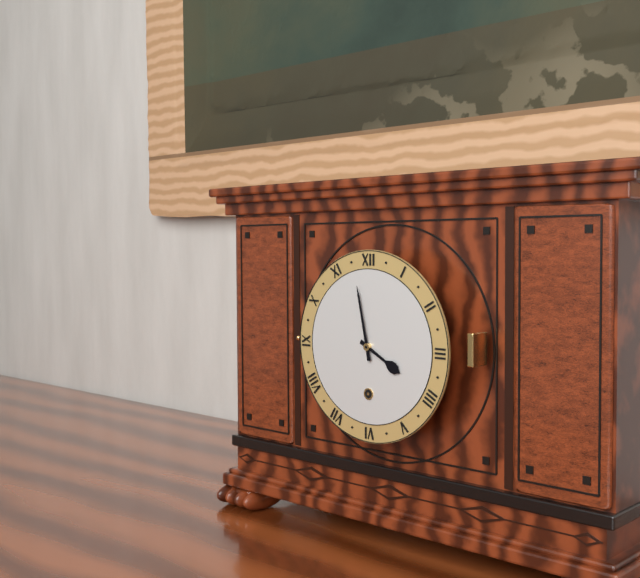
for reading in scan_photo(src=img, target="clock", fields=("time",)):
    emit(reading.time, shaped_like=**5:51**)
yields **3:58**
